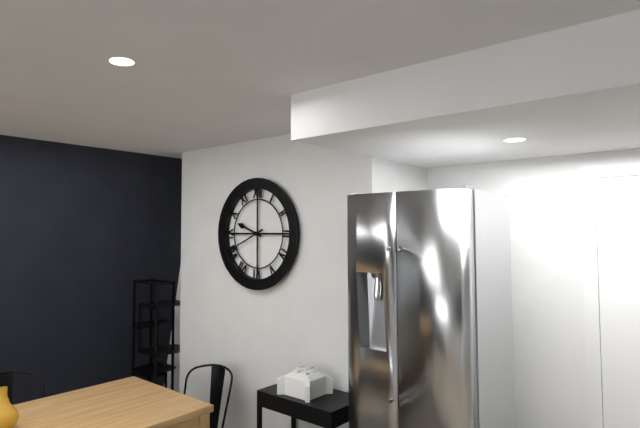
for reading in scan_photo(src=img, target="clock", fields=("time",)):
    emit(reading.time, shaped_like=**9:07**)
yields **9:41**
